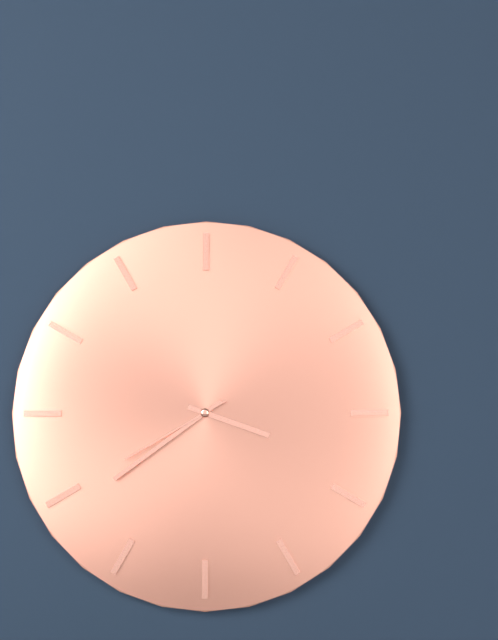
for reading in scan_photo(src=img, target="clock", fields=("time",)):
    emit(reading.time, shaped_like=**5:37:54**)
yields **3:39:40**
